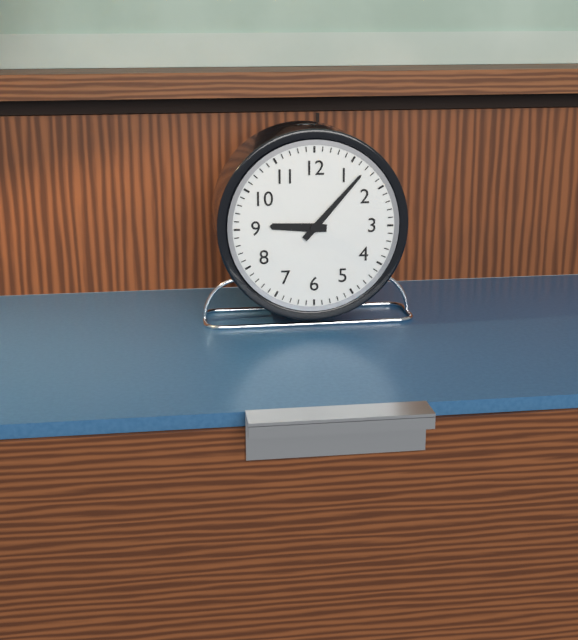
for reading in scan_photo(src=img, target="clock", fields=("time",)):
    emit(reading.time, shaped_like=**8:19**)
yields **9:07**
